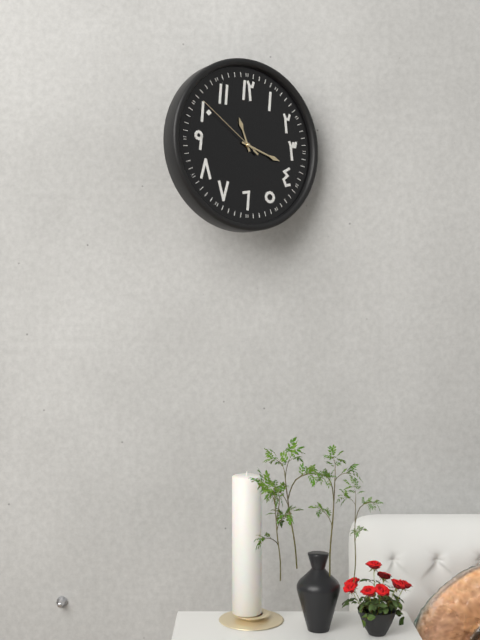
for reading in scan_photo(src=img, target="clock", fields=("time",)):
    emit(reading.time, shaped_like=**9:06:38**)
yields **11:18:51**
